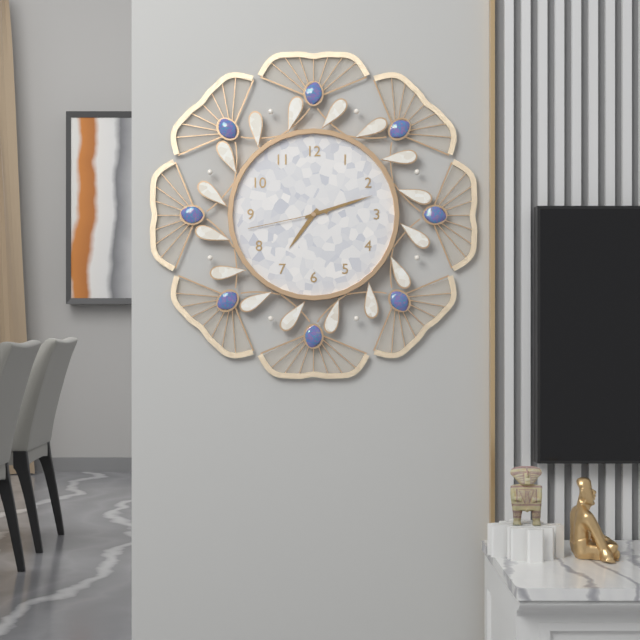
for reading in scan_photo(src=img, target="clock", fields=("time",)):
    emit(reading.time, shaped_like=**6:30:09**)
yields **7:12:43**
